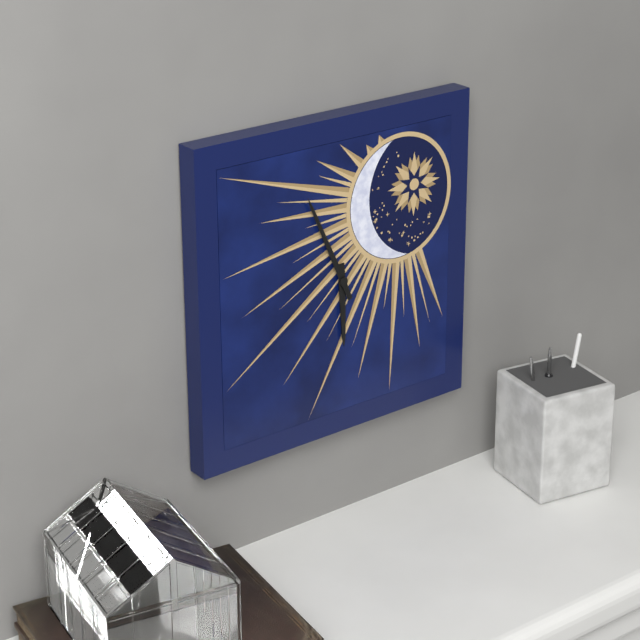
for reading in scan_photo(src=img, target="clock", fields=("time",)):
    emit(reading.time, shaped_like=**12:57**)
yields **5:56**
